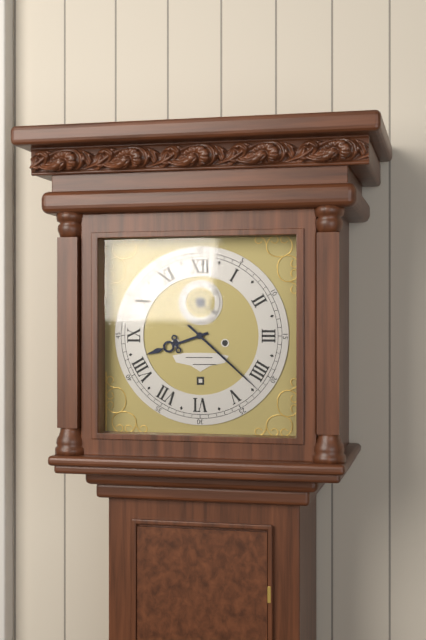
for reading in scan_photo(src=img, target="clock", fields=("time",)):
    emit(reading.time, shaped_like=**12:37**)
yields **8:22**
